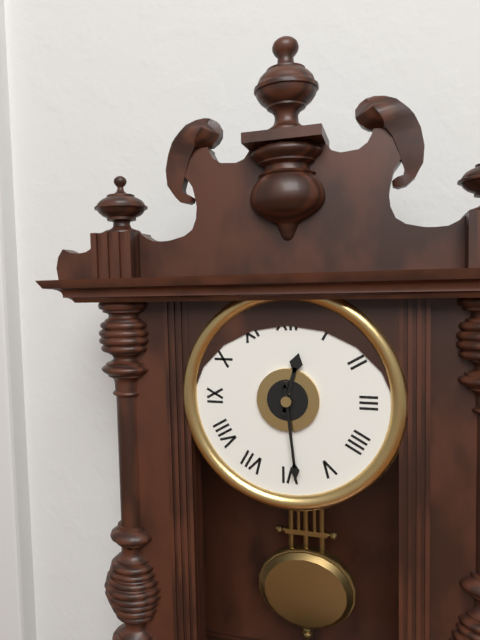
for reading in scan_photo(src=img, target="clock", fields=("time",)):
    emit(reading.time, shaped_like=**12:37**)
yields **12:29**
